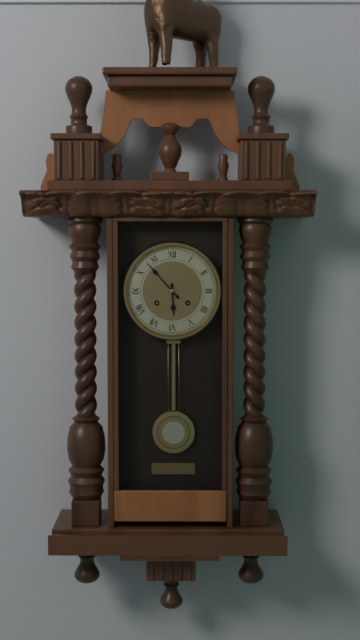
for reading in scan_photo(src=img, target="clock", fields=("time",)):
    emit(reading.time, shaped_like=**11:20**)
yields **5:53**
